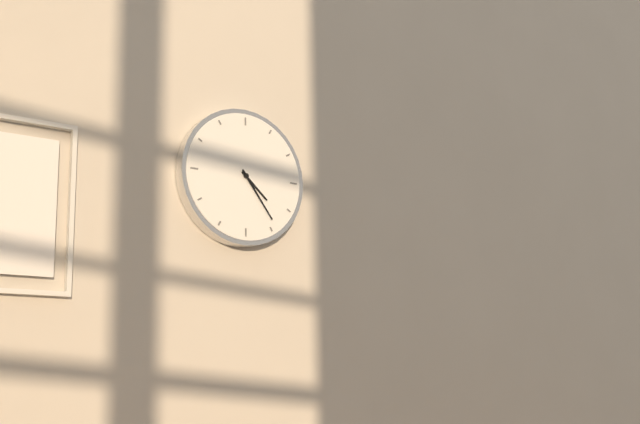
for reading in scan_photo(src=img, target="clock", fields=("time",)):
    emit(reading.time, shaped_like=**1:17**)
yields **4:24**
